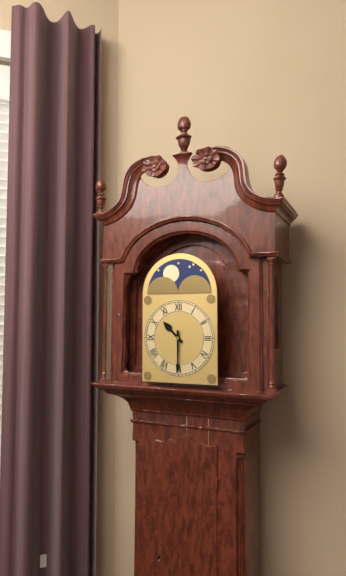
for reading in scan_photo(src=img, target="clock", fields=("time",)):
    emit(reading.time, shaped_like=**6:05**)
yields **10:30**
